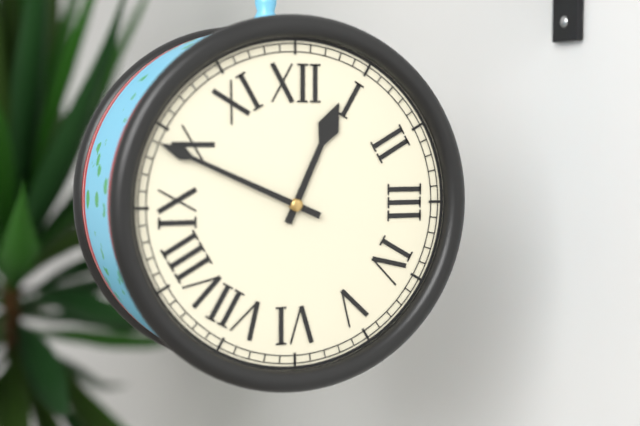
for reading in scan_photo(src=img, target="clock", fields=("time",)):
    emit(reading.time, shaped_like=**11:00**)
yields **12:49**
